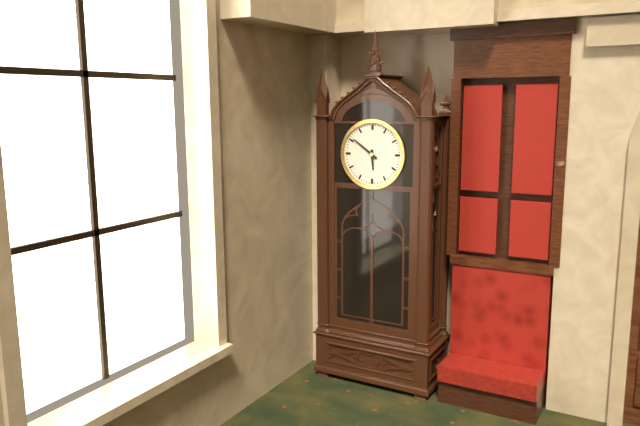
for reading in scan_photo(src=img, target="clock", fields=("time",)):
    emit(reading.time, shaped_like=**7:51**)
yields **5:51**
